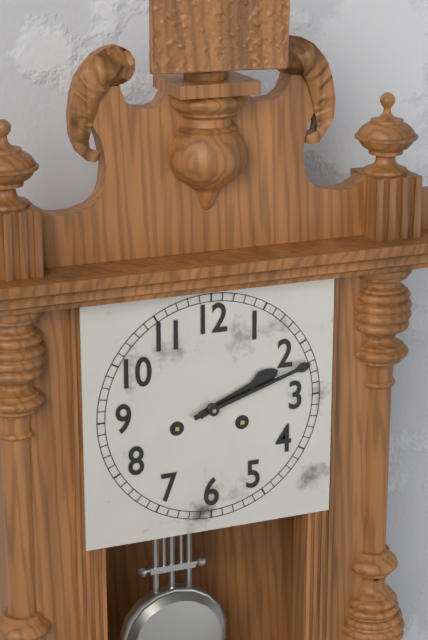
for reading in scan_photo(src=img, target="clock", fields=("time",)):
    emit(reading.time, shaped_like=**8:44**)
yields **2:12**
